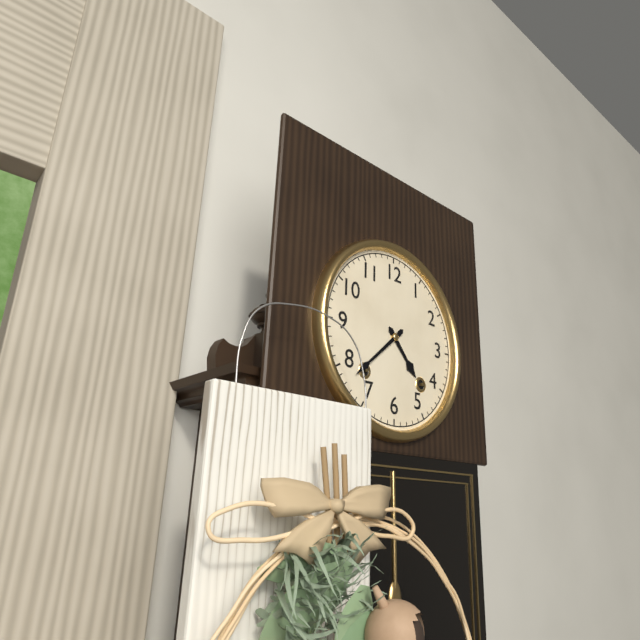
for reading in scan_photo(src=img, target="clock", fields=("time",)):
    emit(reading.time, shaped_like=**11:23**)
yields **4:38**
